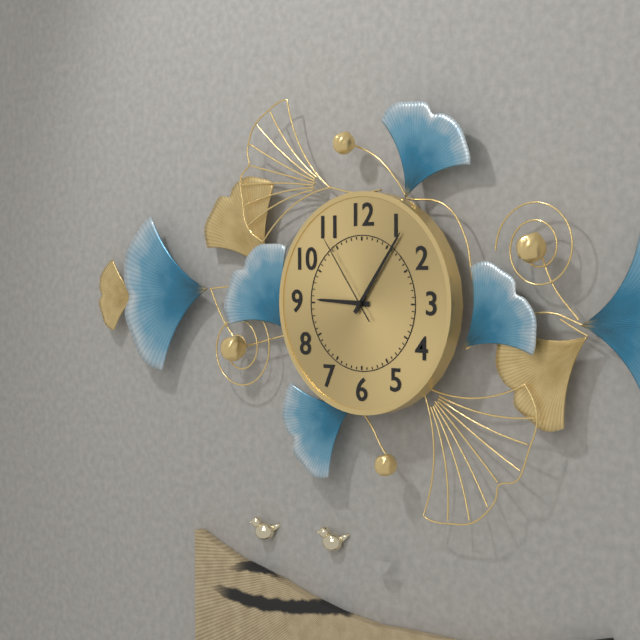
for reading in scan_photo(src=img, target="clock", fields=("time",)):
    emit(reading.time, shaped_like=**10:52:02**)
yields **9:06:54**
